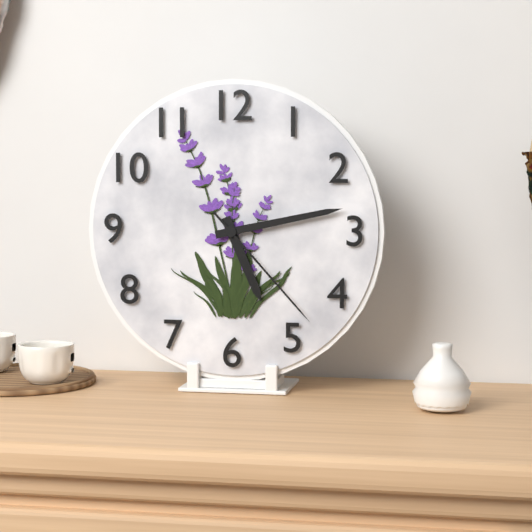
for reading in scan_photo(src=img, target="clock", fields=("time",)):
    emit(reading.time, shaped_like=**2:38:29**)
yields **5:13:23**
